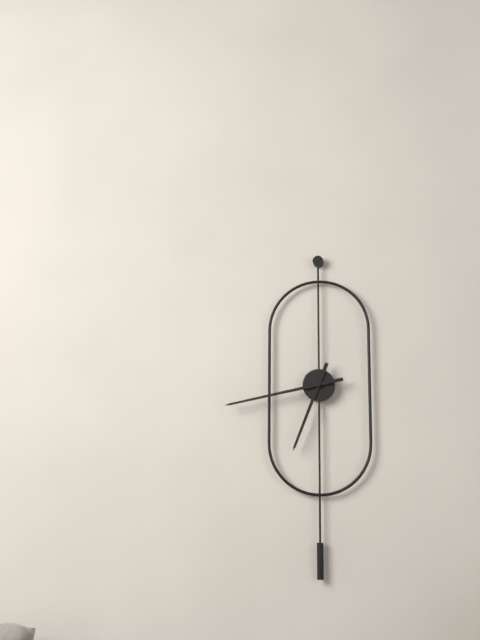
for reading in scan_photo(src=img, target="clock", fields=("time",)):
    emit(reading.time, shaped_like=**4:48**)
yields **6:43**
